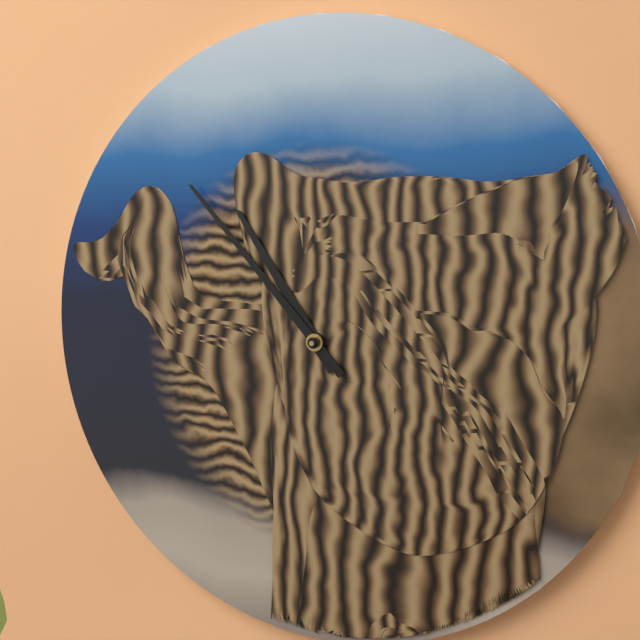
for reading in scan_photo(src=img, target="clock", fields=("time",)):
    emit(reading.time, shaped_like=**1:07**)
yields **10:53**
